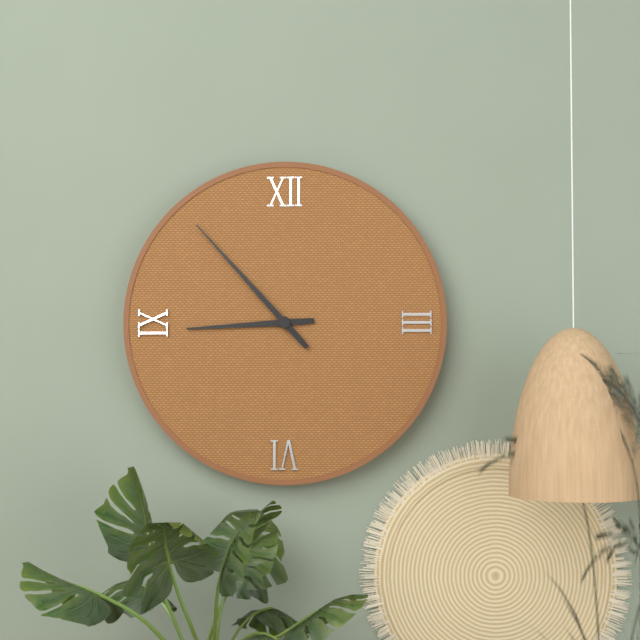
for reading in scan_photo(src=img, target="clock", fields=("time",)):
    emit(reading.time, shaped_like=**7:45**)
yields **8:53**
